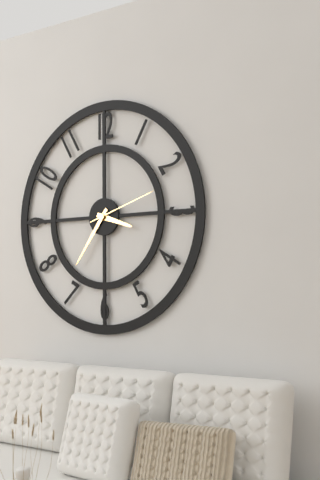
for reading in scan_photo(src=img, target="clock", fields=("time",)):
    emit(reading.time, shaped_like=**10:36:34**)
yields **3:36:12**
